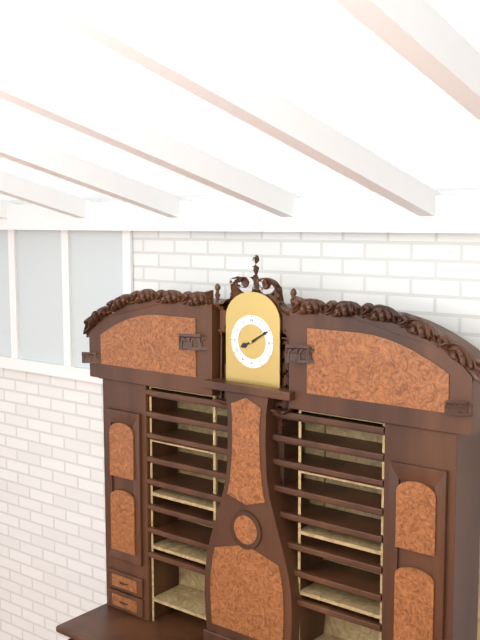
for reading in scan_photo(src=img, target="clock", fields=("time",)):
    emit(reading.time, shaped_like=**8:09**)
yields **8:10**
